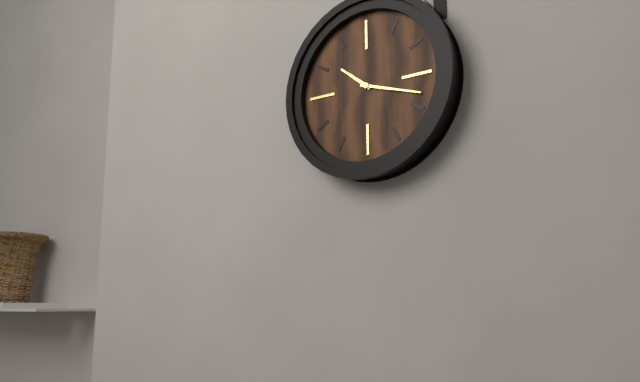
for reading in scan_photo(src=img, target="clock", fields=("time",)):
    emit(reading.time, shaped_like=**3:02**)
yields **10:18**
